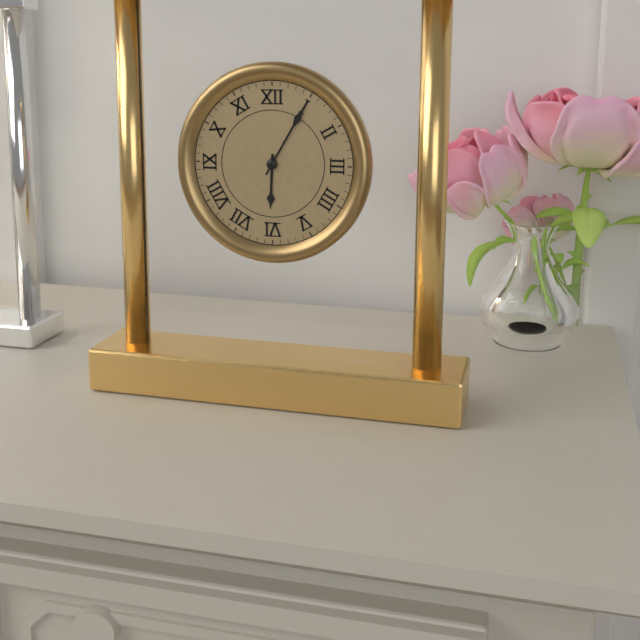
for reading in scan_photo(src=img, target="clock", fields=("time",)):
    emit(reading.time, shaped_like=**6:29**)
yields **6:05**
